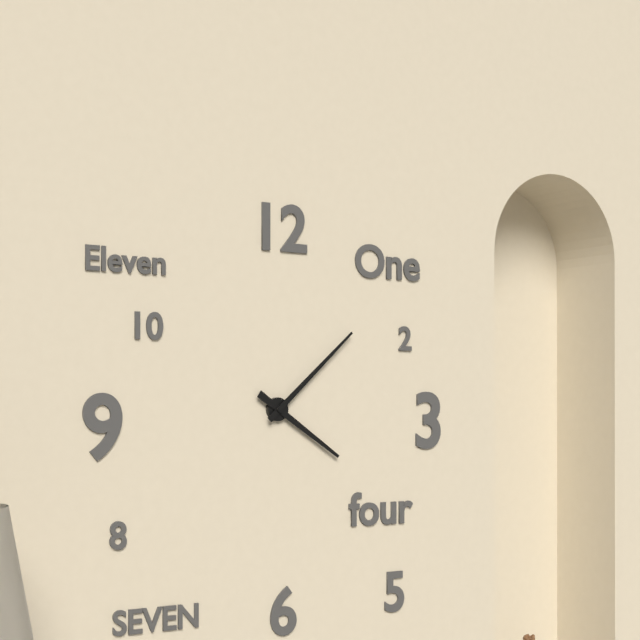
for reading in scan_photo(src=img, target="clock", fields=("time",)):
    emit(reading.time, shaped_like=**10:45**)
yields **4:08**
